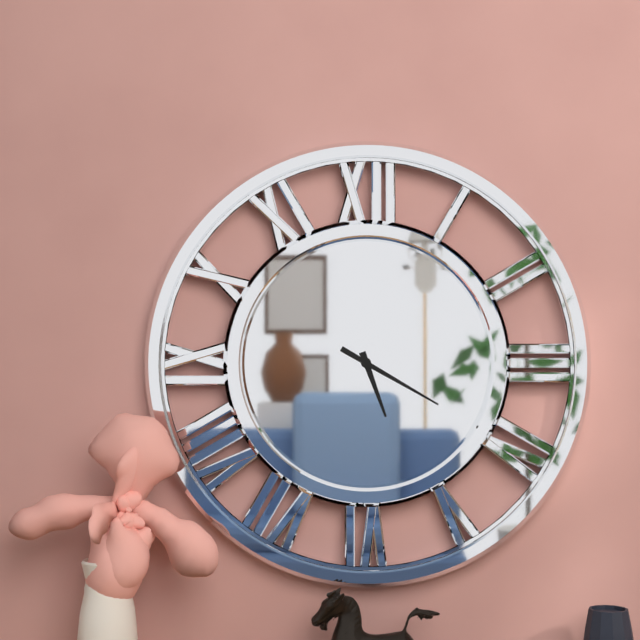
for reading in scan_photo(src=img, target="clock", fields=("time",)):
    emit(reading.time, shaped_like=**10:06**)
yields **5:20**
